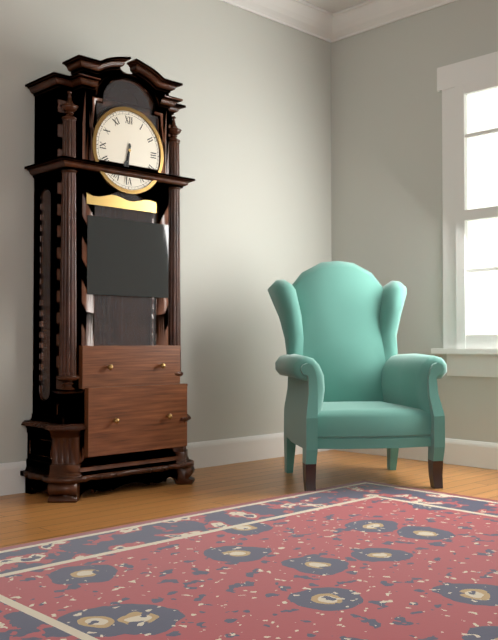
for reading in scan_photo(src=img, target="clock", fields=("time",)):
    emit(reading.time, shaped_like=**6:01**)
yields **6:31**
